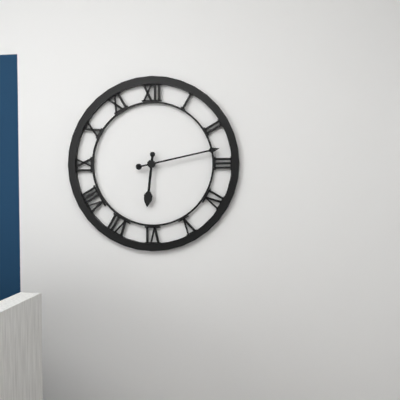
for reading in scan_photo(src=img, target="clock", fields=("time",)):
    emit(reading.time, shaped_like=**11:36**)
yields **6:13**
